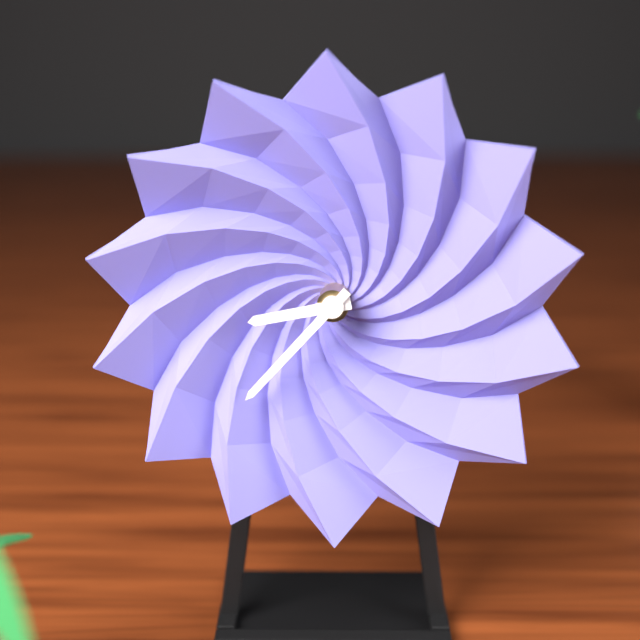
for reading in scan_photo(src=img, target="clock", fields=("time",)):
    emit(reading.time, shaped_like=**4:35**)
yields **8:37**
